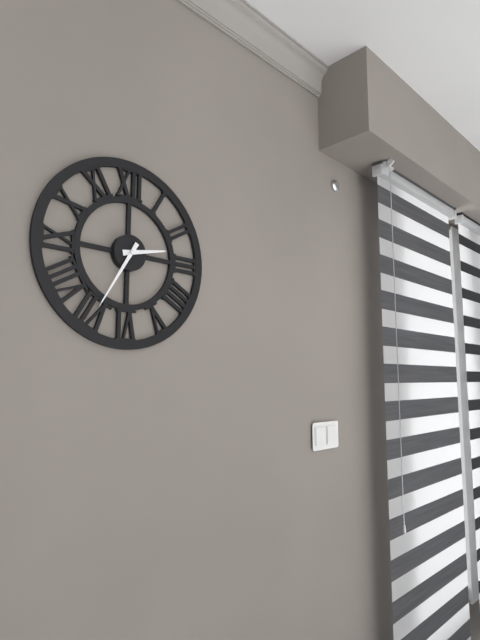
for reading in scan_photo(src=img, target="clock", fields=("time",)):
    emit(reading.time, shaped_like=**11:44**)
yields **2:35**
